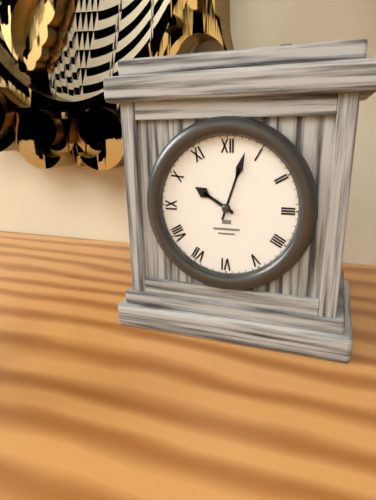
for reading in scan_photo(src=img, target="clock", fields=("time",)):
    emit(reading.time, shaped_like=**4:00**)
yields **10:03**
